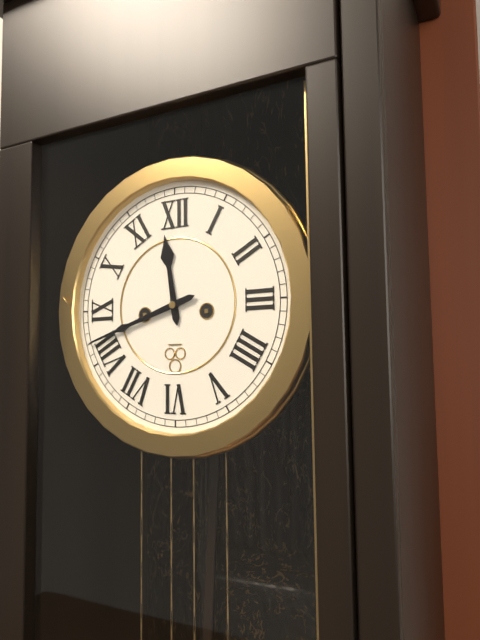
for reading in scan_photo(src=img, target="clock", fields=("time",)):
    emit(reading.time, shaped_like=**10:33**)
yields **11:42**
